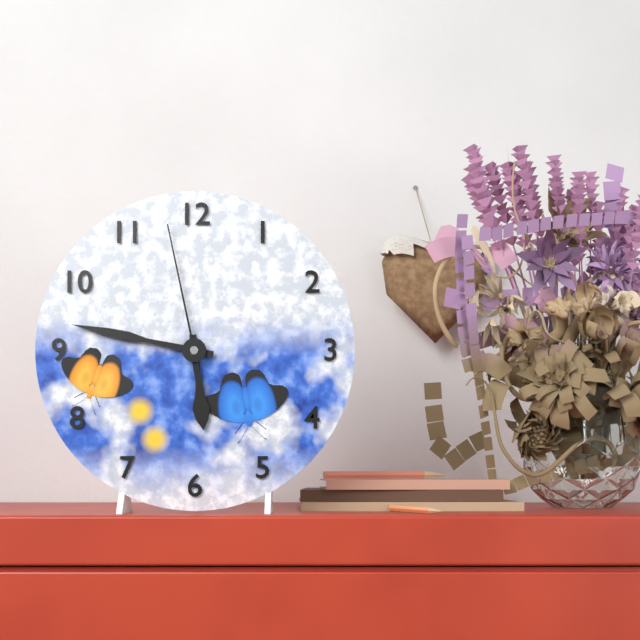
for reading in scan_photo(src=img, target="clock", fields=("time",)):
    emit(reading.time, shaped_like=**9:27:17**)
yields **5:47:58**
